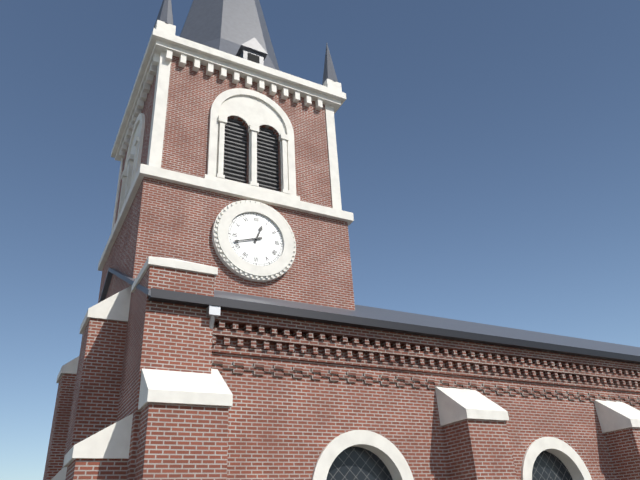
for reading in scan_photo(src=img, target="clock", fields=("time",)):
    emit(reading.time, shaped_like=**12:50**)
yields **12:42**
